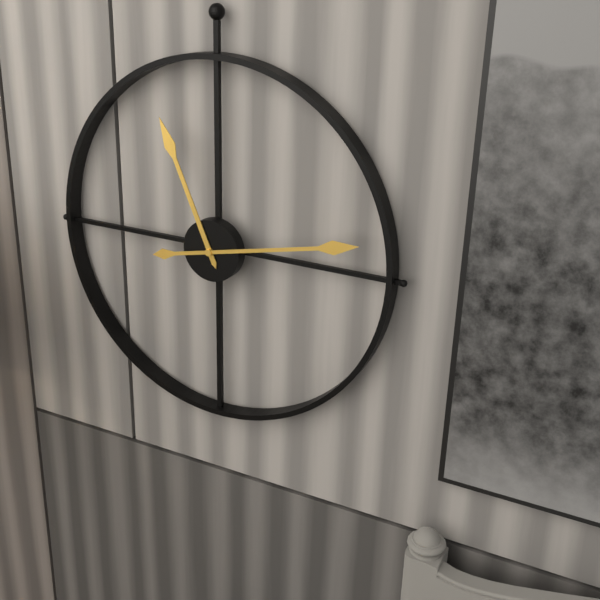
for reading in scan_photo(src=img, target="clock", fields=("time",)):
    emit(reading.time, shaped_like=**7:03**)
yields **11:13**
